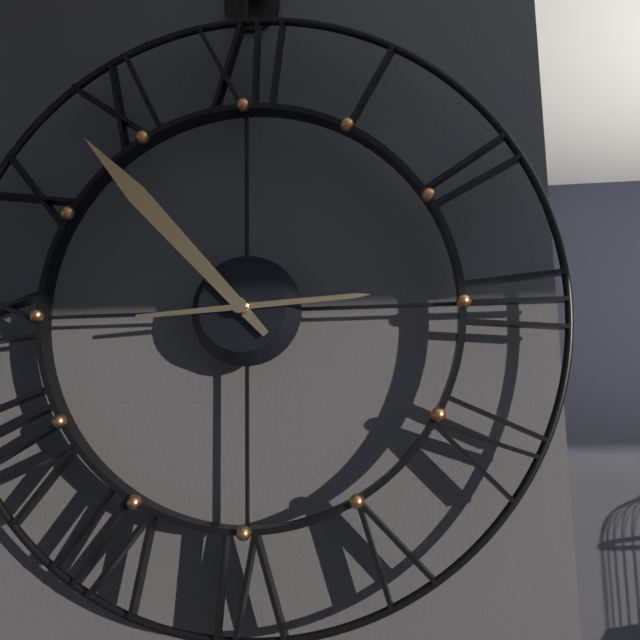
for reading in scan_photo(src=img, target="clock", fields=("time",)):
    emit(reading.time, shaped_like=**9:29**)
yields **2:53**
